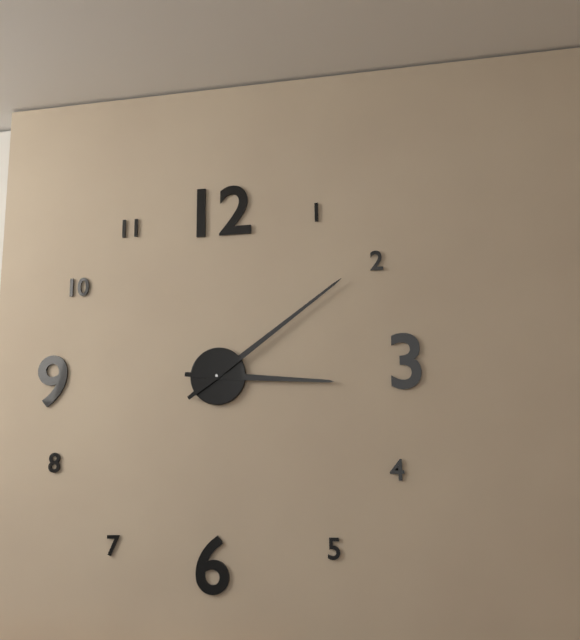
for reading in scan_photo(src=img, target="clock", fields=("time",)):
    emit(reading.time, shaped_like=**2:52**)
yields **3:09**
